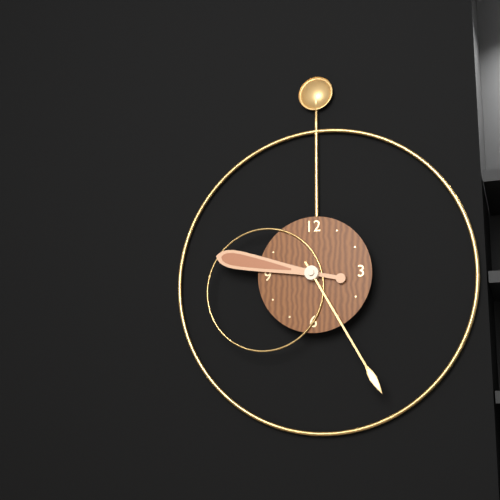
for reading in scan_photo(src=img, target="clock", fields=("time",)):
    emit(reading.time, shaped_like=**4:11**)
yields **9:25**
